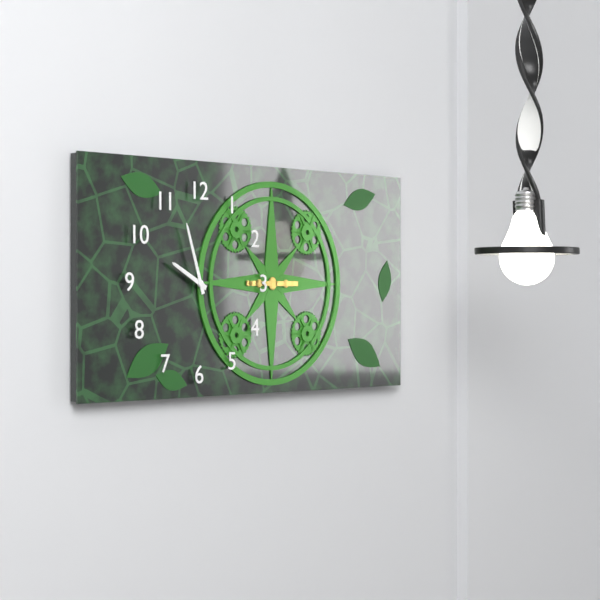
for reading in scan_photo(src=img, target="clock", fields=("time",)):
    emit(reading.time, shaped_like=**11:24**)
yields **9:57**
